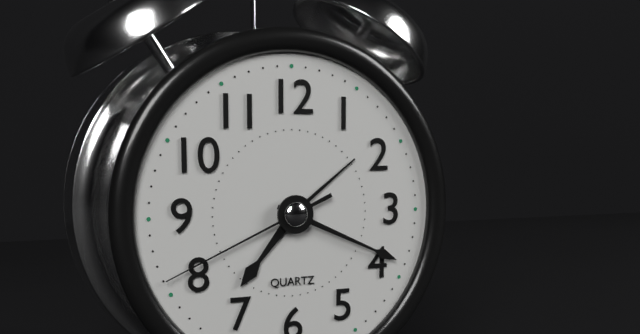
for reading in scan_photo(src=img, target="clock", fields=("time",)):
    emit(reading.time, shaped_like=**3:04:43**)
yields **7:19:41**
